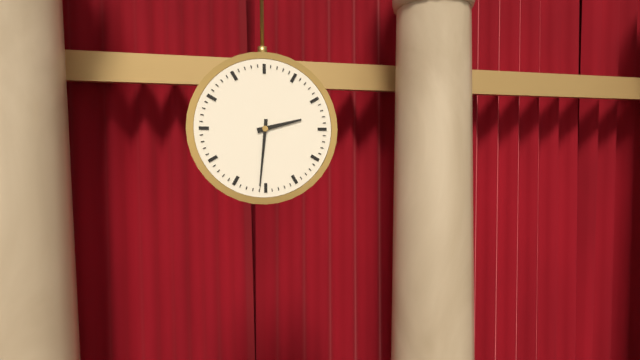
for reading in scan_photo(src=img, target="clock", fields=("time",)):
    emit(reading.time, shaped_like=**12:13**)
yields **2:31**
